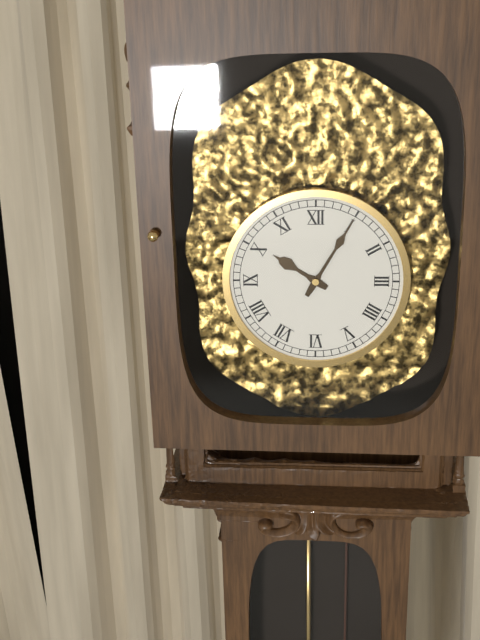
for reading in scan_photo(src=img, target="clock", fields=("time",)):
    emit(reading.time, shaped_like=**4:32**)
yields **10:05**
